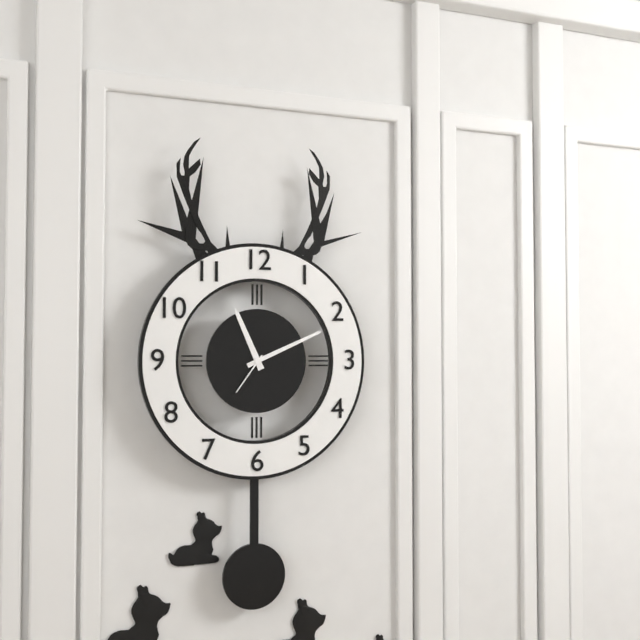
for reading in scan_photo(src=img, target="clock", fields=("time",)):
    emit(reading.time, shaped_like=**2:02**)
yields **11:11**
